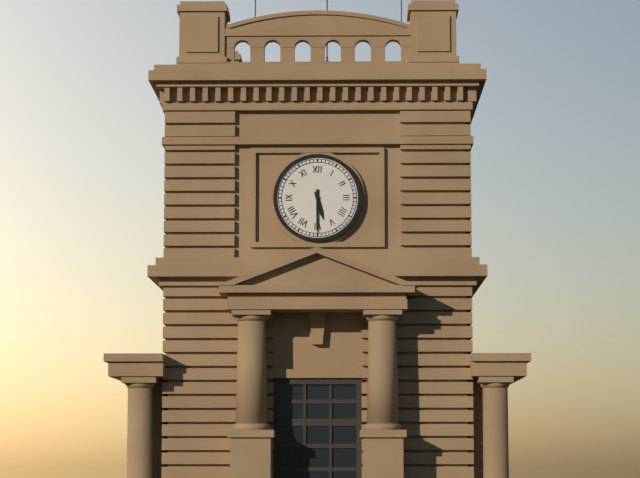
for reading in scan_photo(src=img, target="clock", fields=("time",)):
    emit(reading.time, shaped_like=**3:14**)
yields **5:30**
